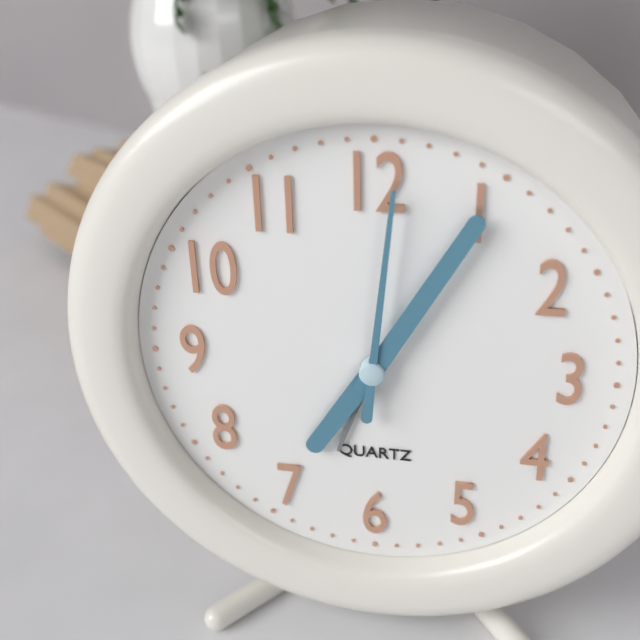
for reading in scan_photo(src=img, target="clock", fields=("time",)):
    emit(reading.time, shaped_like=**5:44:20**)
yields **7:05:01**
